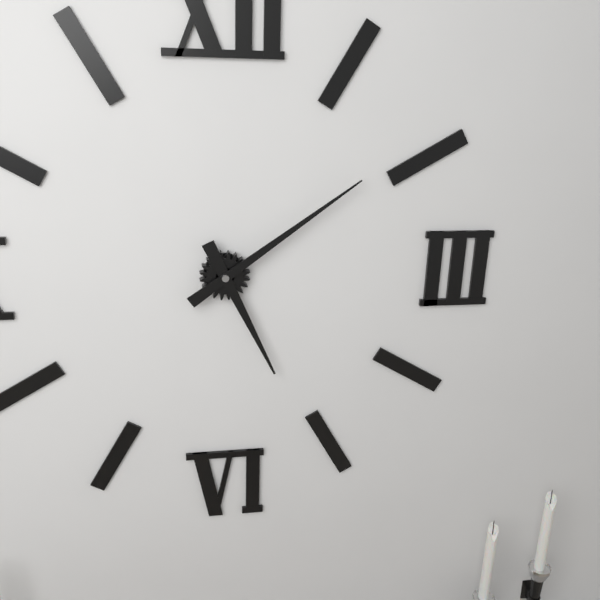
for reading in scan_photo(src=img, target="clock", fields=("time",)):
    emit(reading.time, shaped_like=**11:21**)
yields **5:09**
